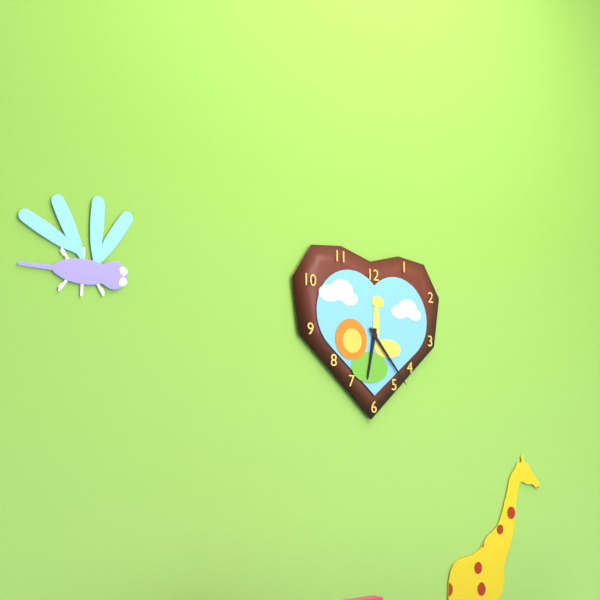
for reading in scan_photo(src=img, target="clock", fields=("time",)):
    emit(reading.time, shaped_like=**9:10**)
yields **6:23**
